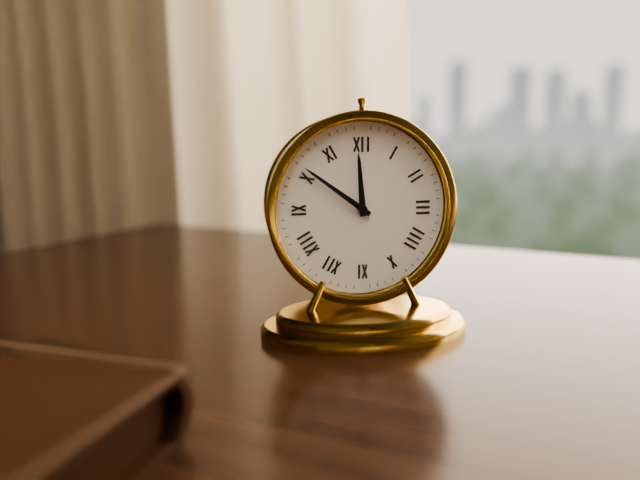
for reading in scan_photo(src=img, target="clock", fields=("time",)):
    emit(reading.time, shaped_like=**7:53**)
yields **11:51**
